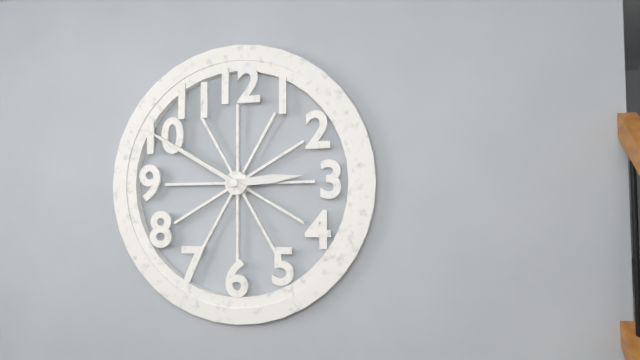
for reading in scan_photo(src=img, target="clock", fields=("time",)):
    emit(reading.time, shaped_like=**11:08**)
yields **2:50**
